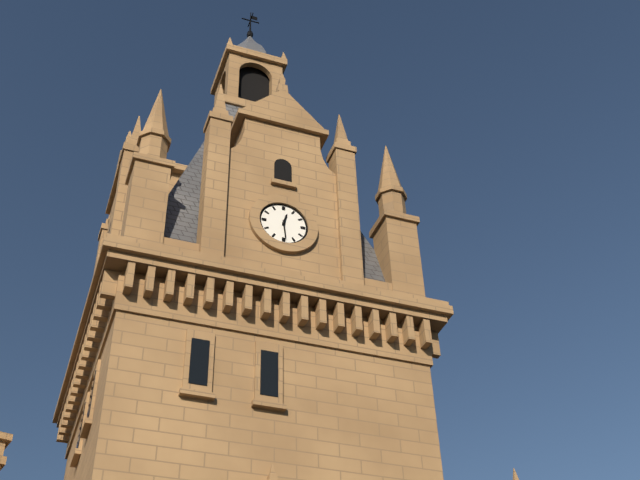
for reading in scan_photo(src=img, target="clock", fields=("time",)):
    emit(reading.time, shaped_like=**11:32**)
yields **12:29**
